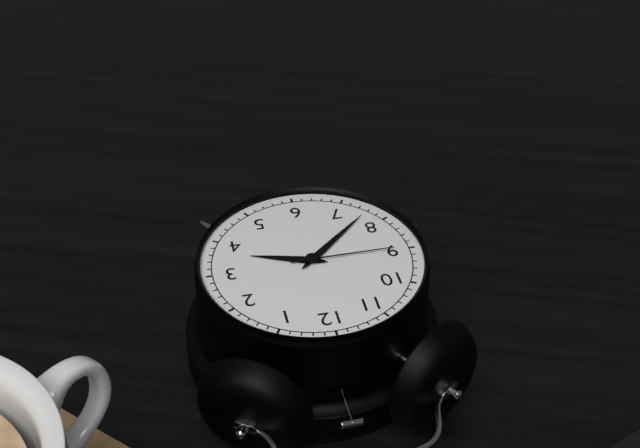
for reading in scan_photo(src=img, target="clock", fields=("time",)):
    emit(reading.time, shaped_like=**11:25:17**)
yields **3:38:45**
